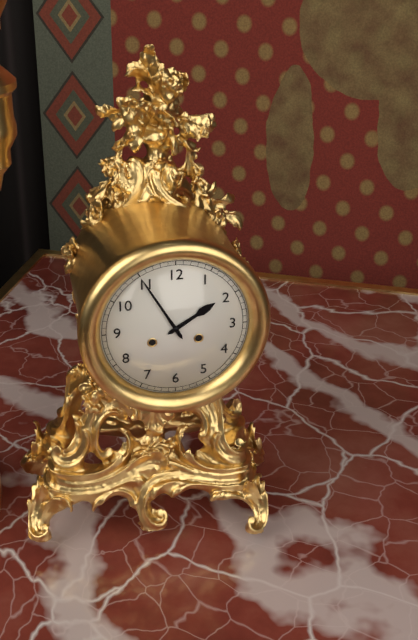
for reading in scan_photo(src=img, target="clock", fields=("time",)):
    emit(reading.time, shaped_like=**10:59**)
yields **1:55**
